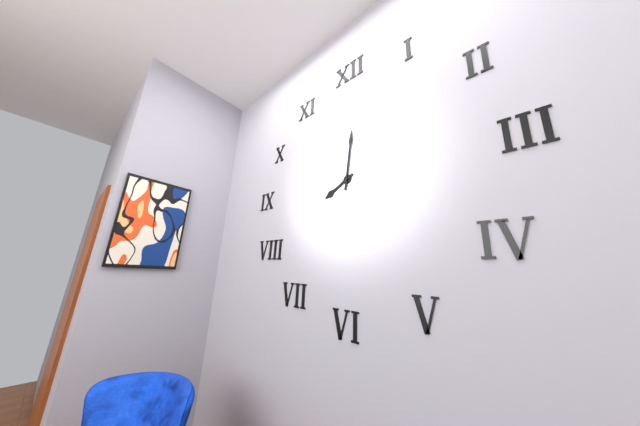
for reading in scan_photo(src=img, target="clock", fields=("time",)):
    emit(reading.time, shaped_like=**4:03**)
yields **8:01**
